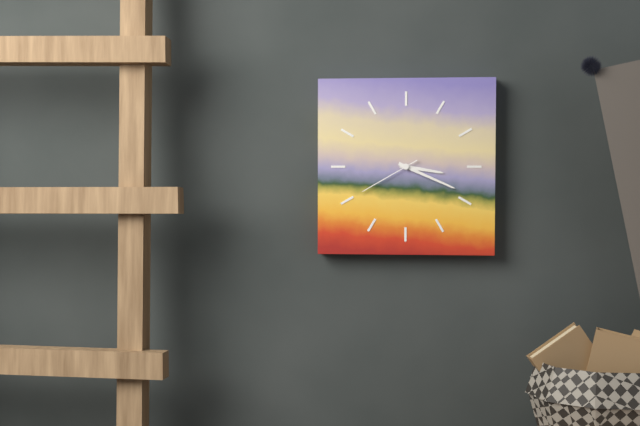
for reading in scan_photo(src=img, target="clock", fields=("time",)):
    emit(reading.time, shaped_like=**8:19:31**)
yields **3:19:40**
